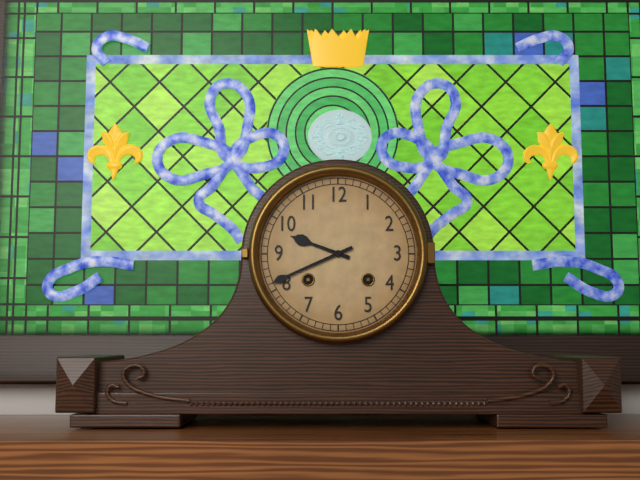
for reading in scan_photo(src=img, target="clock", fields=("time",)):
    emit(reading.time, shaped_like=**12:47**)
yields **9:41**
